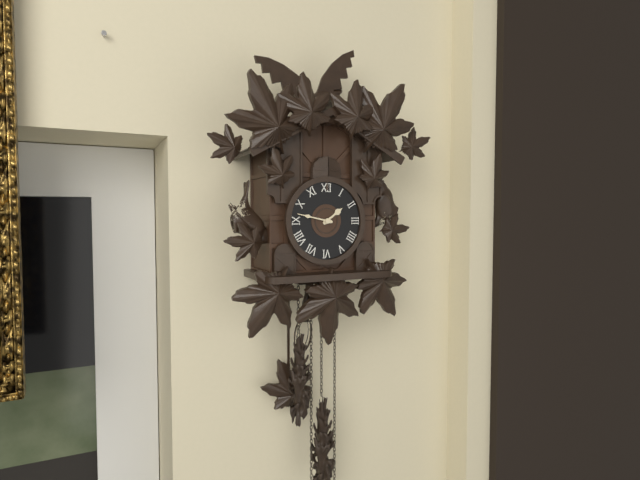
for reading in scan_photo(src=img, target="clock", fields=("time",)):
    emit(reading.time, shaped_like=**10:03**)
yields **1:47**
